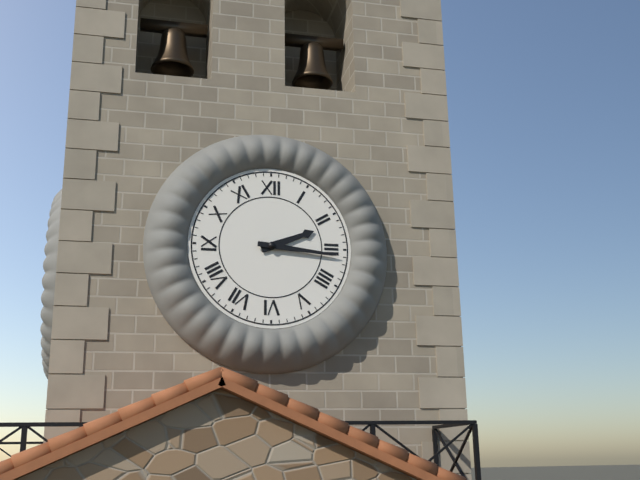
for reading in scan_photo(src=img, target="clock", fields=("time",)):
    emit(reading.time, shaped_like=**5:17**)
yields **2:16**
